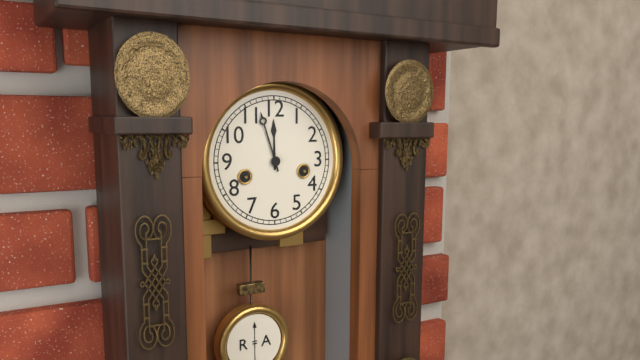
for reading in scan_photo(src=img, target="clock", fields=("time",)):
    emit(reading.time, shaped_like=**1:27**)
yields **11:57**
